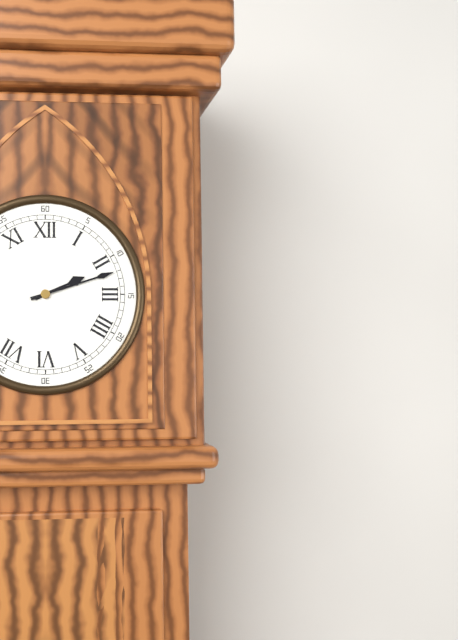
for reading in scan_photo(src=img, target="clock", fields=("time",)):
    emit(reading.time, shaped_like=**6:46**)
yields **2:12**
